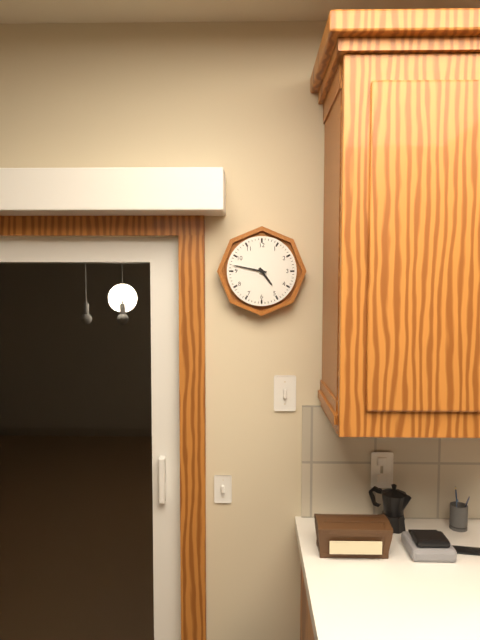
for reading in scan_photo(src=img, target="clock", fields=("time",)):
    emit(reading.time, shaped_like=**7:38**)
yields **4:47**
